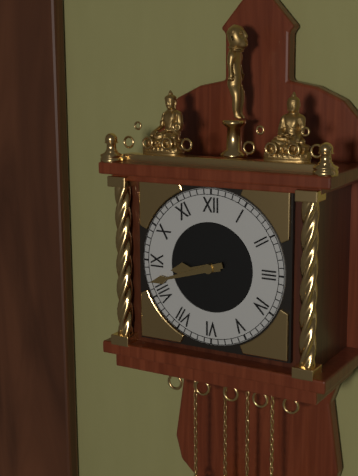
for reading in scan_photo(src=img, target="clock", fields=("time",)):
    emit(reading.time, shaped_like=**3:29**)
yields **8:42**
